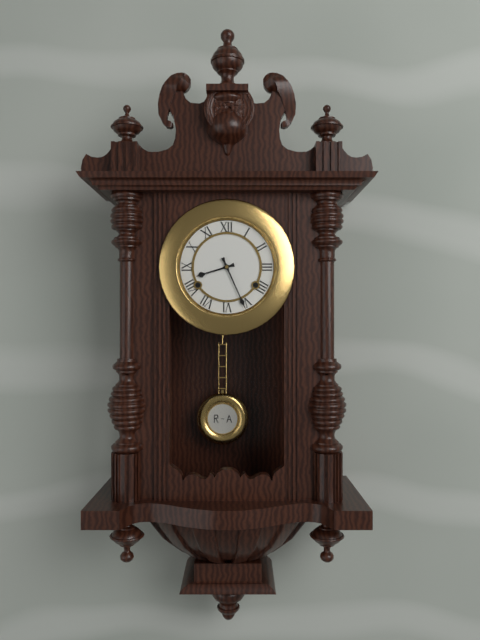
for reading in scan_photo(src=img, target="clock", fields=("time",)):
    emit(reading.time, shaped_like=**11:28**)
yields **8:26**
